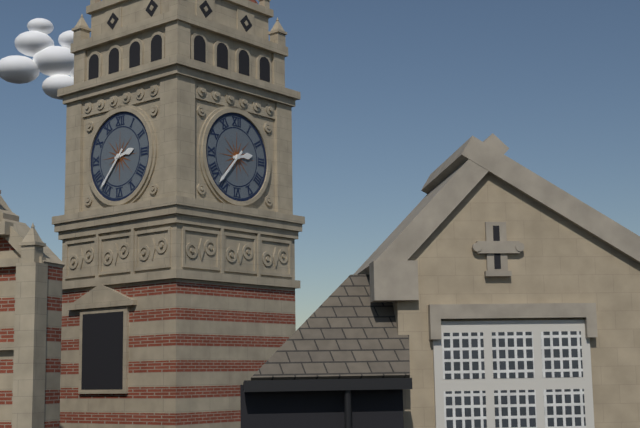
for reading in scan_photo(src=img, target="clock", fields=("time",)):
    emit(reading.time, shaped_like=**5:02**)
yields **2:37**
